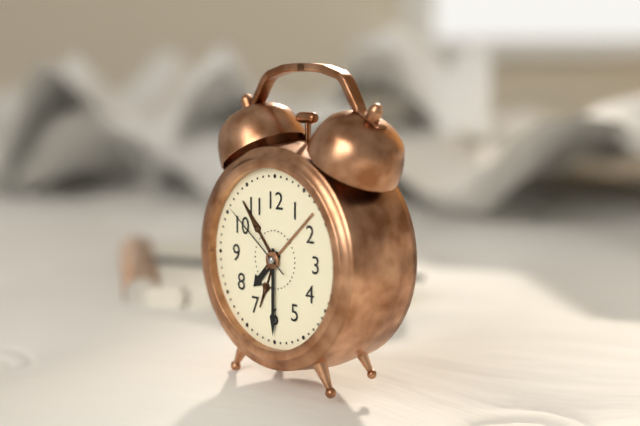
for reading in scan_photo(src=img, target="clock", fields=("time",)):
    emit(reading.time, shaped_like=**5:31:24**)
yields **7:30:51**
